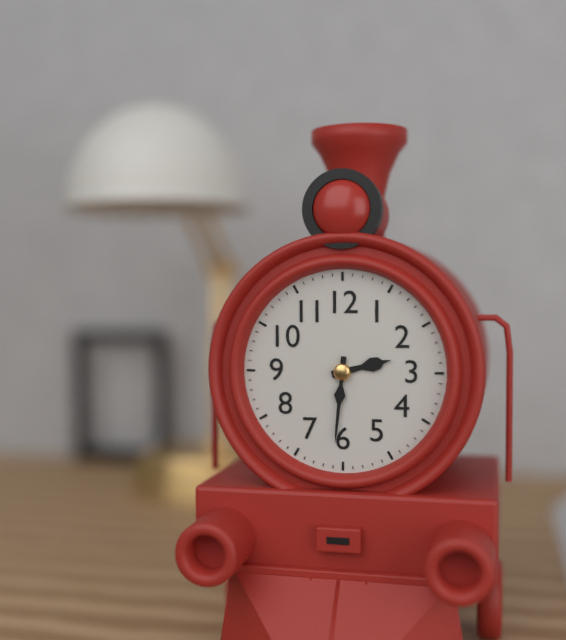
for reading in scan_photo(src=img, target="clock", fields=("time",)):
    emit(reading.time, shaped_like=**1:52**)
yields **2:31**
